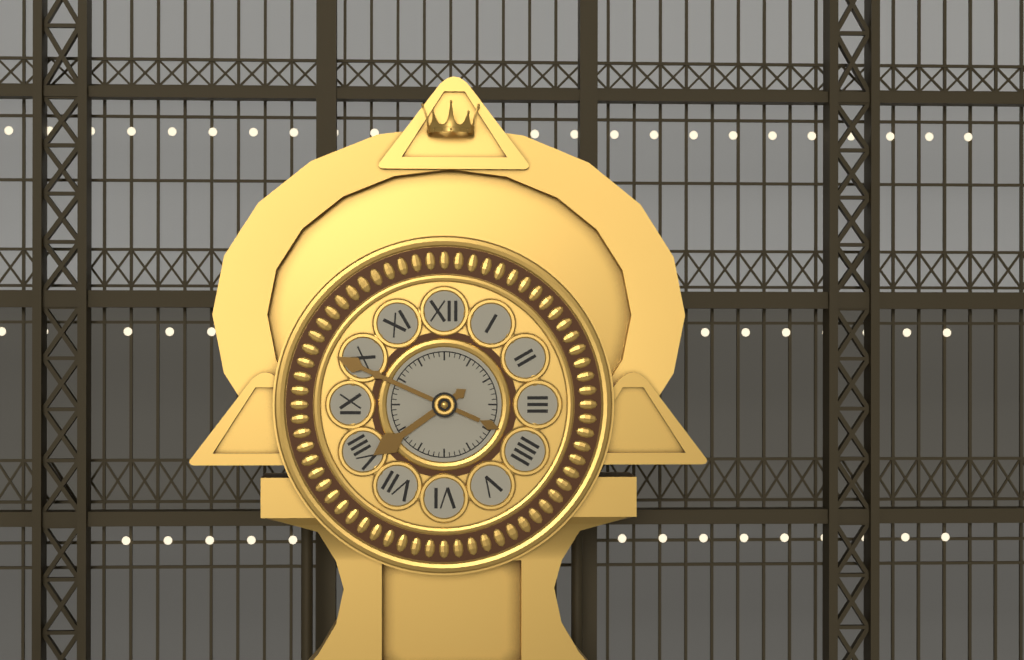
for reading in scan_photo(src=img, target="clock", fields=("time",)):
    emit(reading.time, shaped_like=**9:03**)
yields **7:49**
